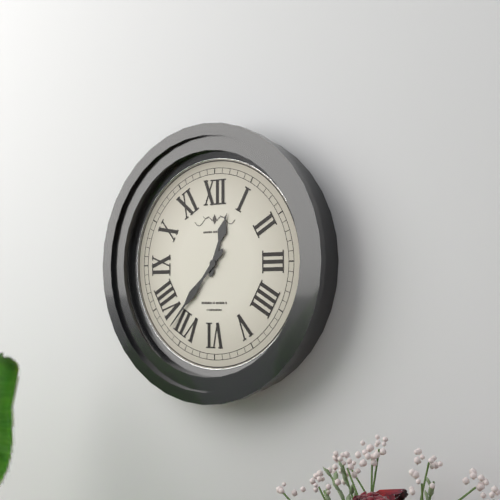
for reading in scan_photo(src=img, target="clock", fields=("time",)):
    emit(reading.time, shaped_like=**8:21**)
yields **12:37**
